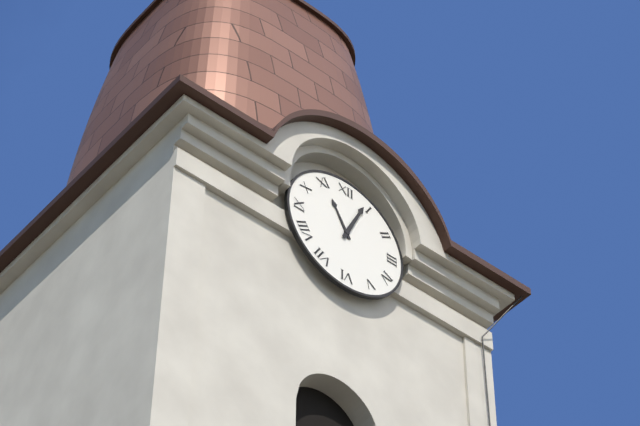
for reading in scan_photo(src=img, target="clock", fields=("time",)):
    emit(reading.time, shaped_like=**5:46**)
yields **11:04**
